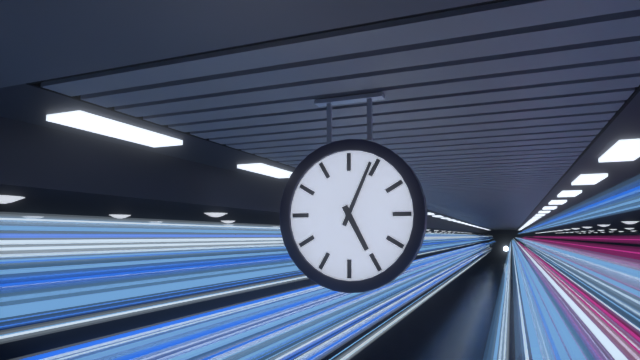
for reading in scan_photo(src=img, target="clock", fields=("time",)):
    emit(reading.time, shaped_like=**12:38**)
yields **5:04**
